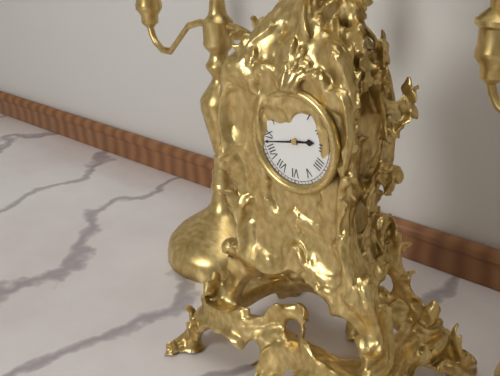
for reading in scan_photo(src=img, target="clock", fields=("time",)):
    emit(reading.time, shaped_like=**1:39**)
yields **2:43**
